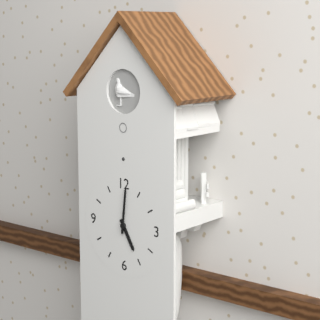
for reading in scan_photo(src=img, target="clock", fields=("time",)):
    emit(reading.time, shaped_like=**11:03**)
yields **5:01**
